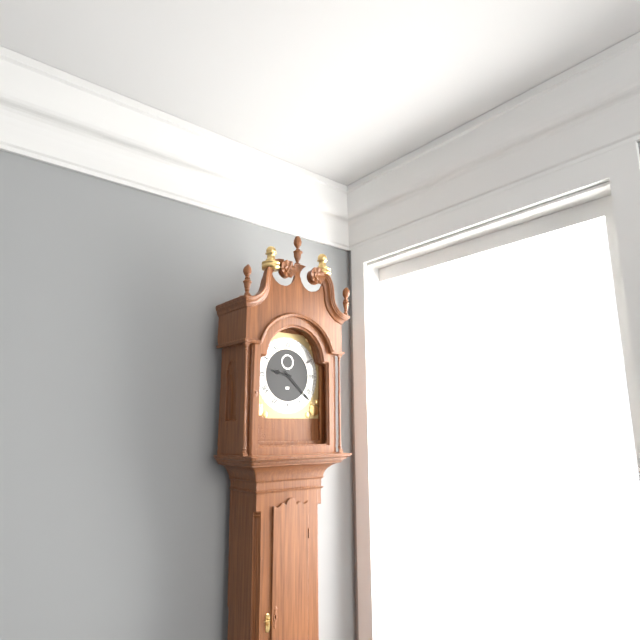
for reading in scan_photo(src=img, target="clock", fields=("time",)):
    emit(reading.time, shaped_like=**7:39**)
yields **9:22**
